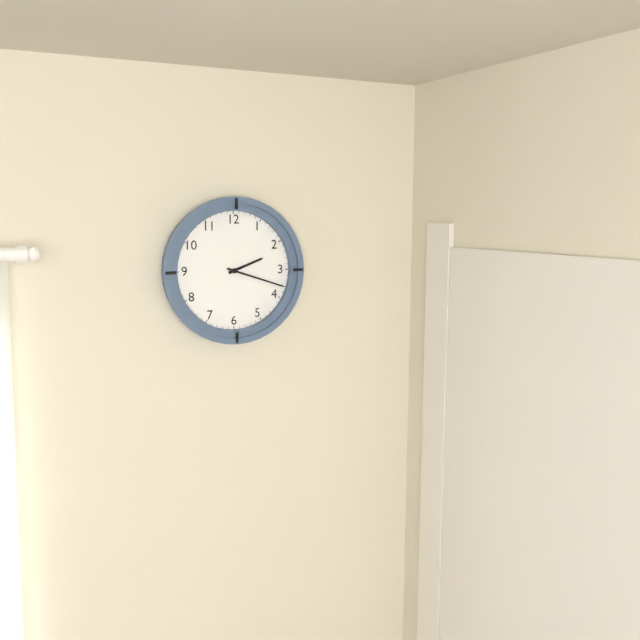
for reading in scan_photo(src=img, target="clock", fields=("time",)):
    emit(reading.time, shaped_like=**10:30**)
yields **2:18**
